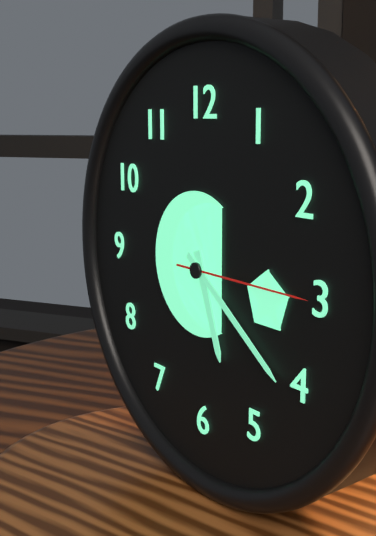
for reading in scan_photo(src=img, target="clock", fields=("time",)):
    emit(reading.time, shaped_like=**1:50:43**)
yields **5:21:15**
